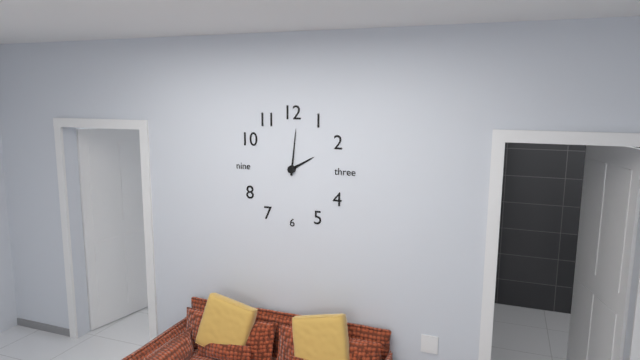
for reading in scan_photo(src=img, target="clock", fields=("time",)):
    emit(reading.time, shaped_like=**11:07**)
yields **2:01**
